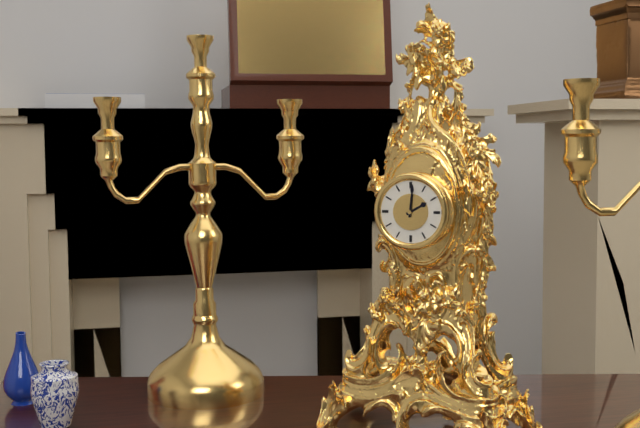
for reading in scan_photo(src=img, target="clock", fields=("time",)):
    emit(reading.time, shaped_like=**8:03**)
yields **2:01**
